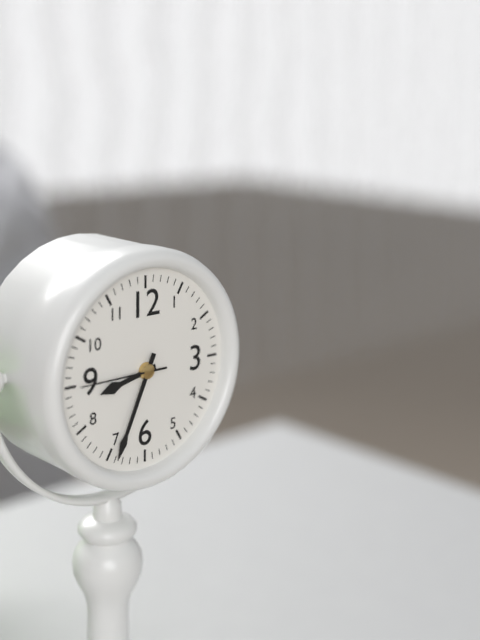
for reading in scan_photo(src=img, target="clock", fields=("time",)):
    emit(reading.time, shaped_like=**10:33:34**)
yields **8:34:45**
